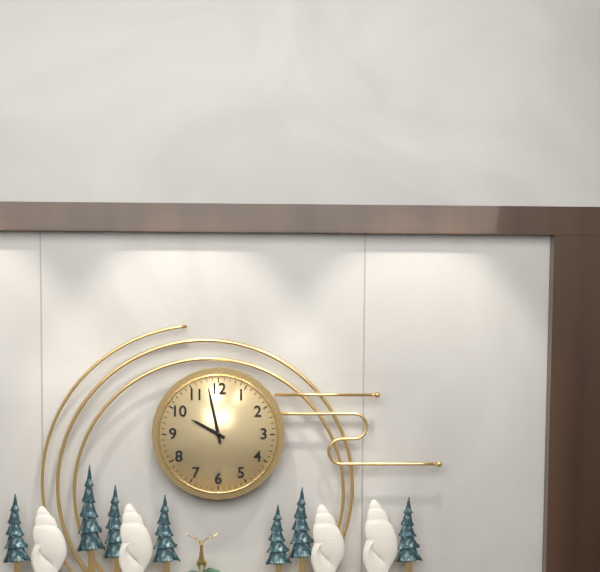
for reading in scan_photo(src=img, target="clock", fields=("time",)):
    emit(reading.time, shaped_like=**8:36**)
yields **9:58**
